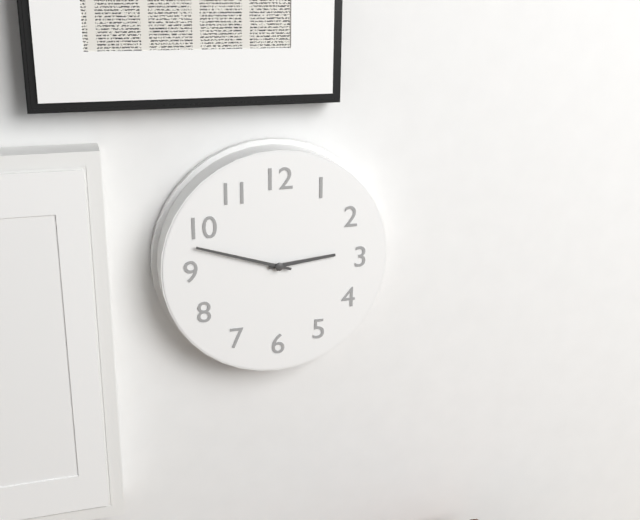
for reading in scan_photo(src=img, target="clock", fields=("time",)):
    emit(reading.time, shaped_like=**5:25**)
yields **2:48**
